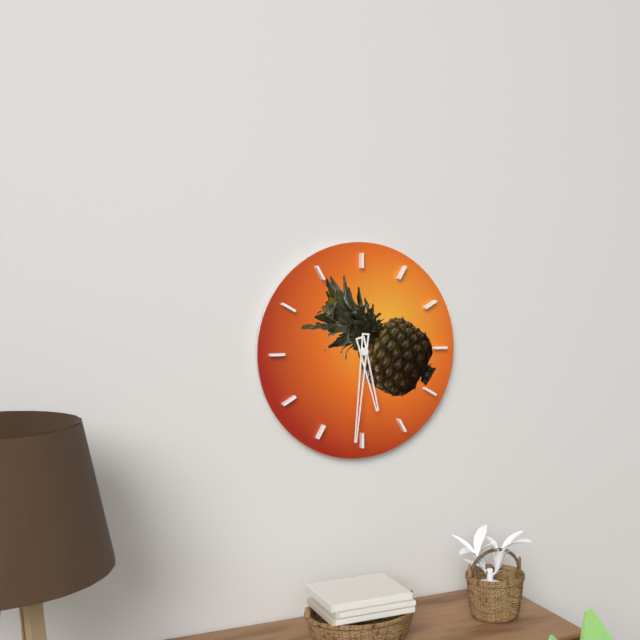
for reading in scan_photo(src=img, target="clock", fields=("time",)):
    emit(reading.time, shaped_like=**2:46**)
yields **5:31**
